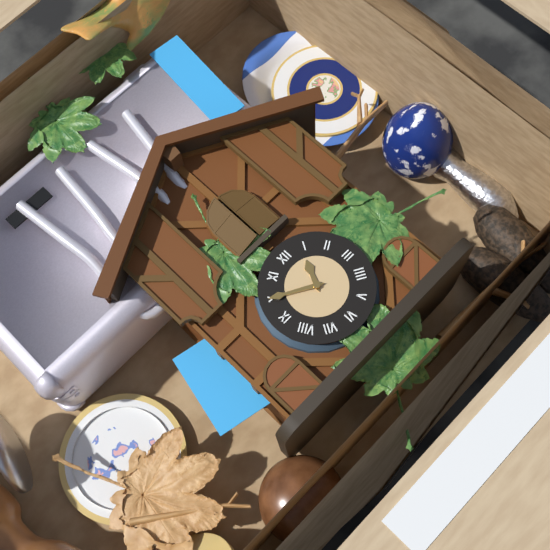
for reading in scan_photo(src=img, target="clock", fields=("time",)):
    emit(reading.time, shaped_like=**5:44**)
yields **12:50**
